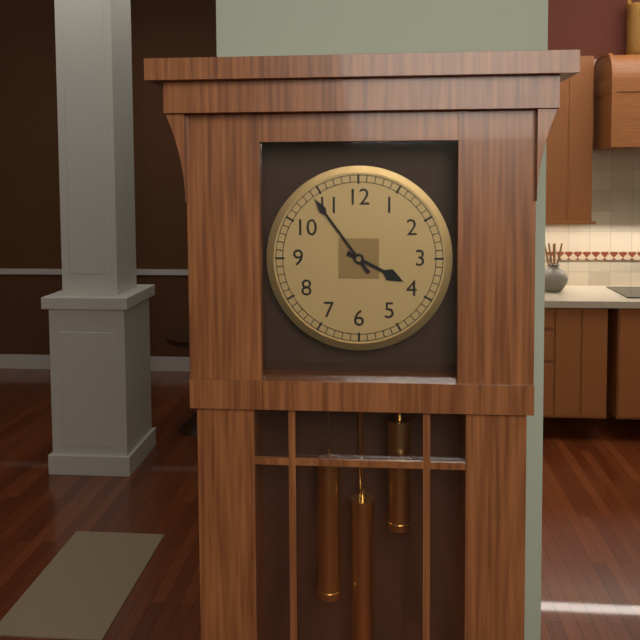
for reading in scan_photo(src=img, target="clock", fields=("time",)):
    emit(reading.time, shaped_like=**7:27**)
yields **3:54**
